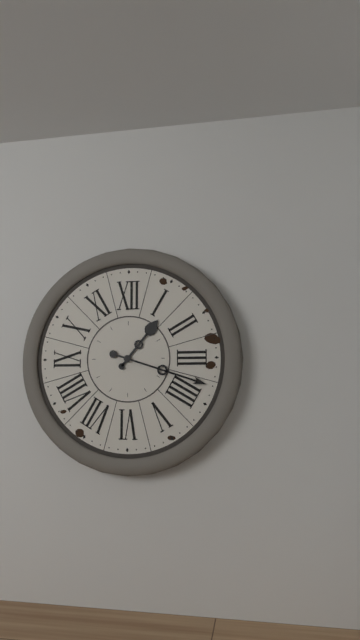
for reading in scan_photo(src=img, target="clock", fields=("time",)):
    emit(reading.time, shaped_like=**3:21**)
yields **1:18**
